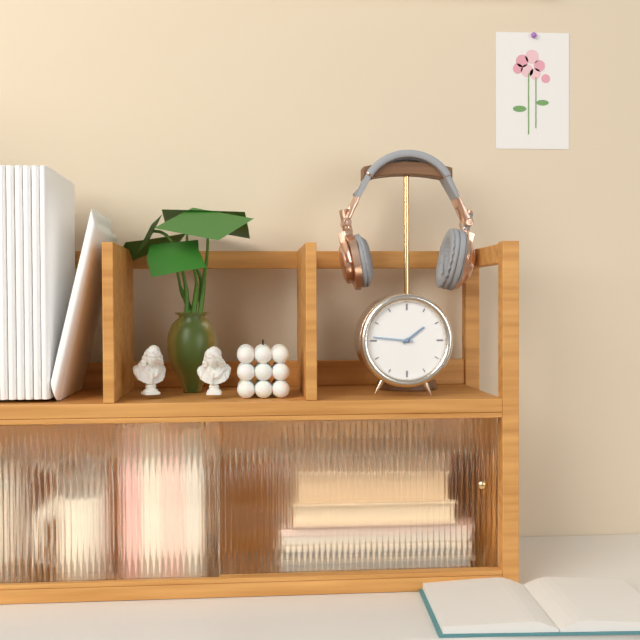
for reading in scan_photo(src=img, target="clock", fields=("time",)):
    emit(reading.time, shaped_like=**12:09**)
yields **1:46**
